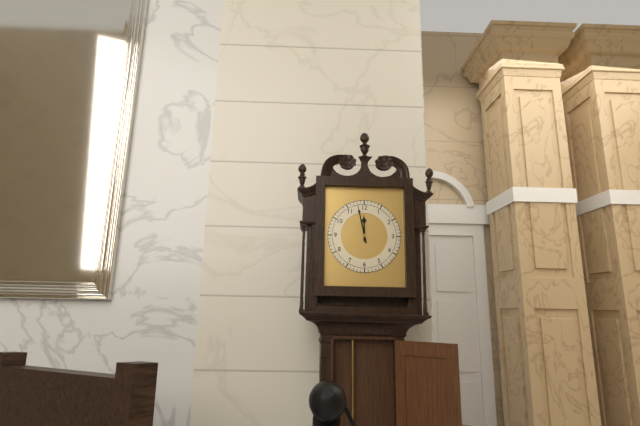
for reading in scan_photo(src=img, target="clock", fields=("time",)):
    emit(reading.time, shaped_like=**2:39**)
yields **11:58**
